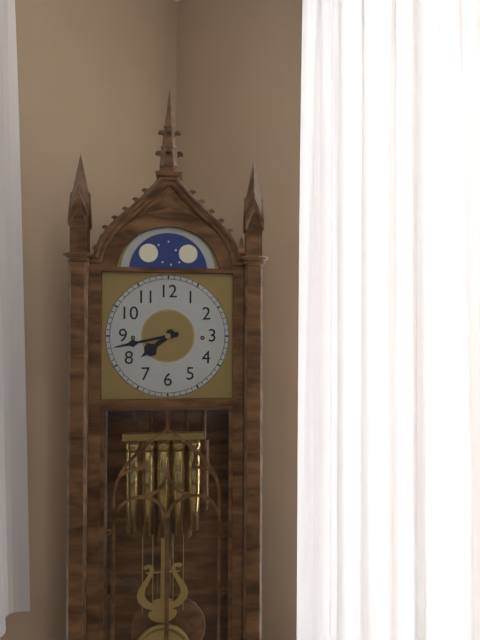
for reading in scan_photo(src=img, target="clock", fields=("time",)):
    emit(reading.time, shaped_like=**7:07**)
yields **7:43**
